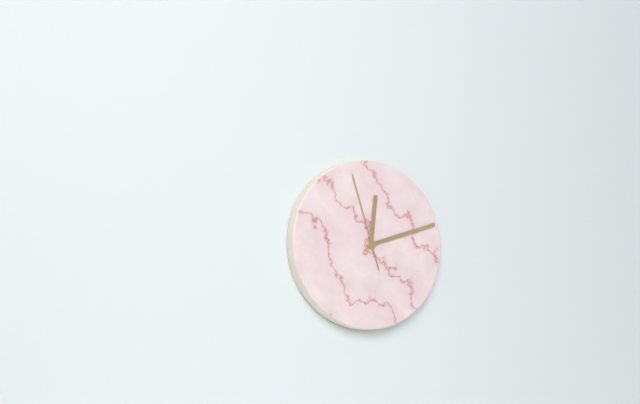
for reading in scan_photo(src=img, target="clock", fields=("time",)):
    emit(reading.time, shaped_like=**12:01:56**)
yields **12:12:57**
